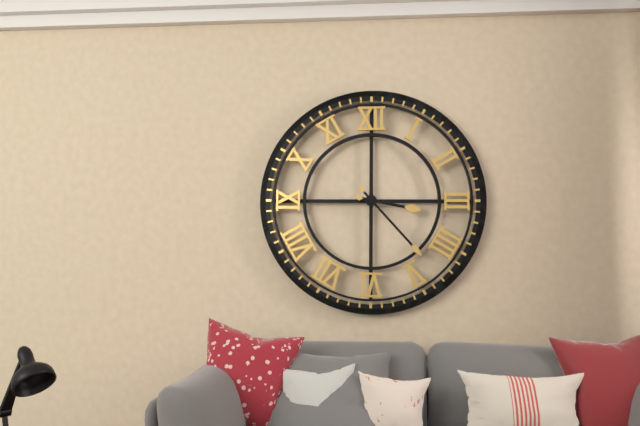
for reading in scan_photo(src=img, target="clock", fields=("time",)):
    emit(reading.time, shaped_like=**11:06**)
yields **3:23**
